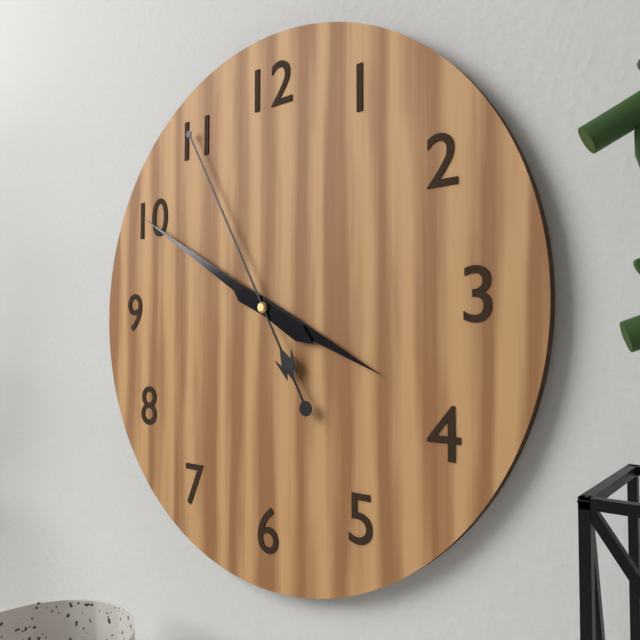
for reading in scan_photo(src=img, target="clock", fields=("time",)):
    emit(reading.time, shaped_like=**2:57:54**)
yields **3:50:55**
